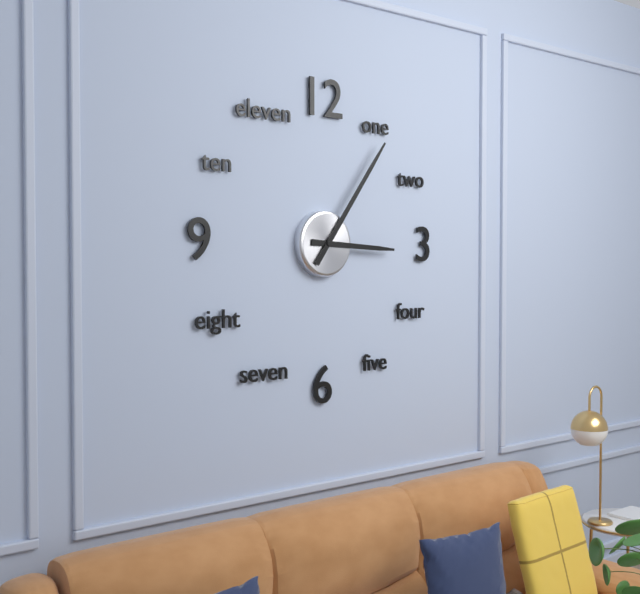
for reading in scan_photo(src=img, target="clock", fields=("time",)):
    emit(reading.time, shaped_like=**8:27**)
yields **3:06**
